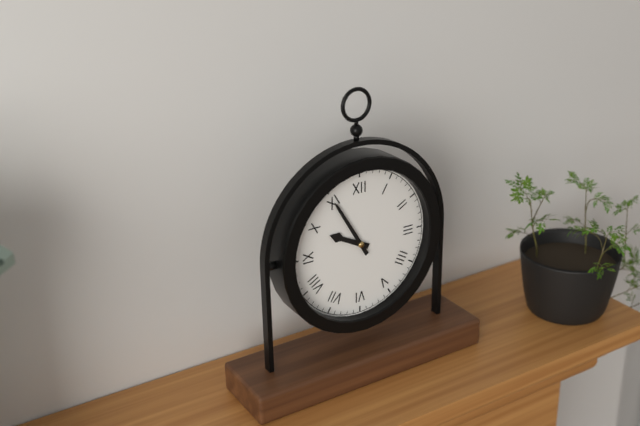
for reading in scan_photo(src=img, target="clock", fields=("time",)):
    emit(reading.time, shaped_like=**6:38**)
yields **9:55**
